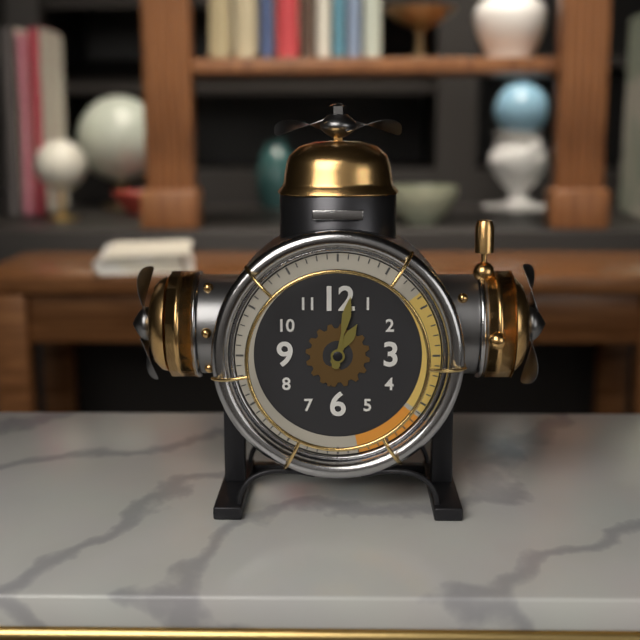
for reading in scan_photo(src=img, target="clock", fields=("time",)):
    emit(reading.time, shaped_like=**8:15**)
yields **1:02**
